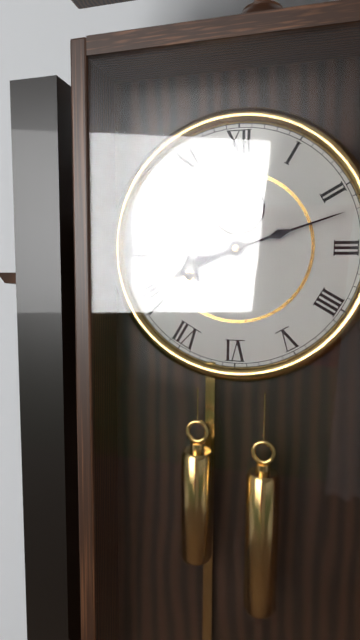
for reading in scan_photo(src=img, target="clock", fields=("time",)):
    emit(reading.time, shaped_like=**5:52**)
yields **8:12**
